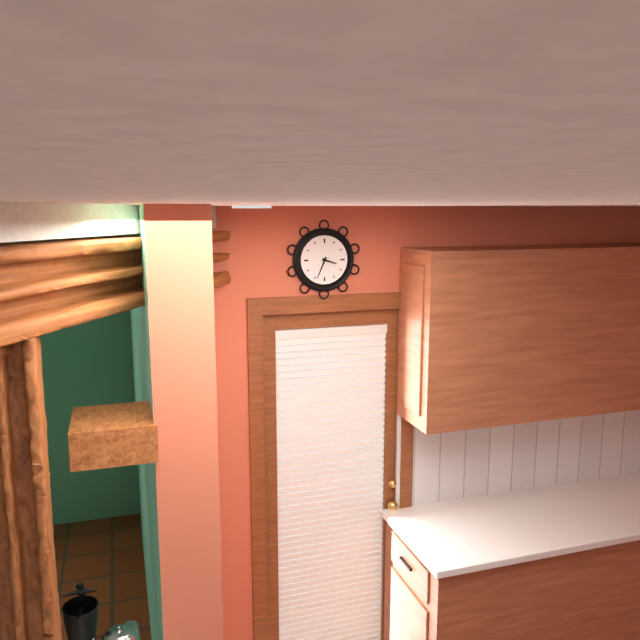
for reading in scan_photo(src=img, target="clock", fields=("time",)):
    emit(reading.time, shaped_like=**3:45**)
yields **3:34**
